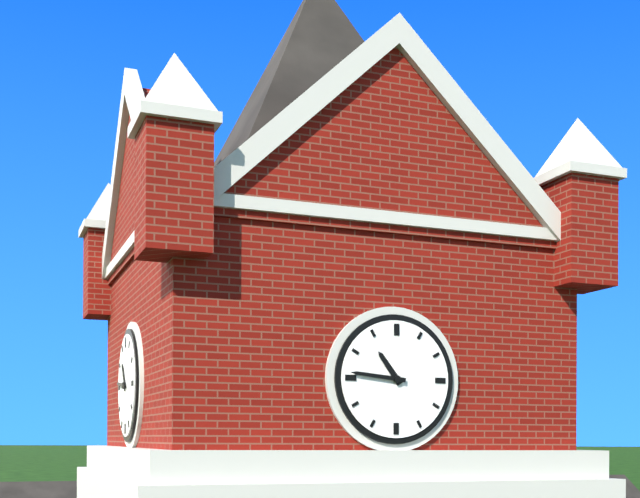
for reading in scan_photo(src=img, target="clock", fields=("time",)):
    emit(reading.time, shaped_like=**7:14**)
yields **10:46**
